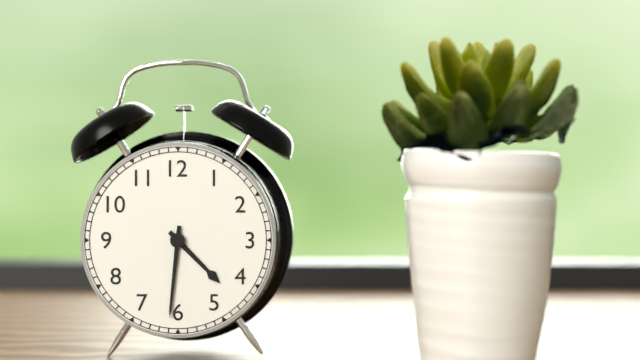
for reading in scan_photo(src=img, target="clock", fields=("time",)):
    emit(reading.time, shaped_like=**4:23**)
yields **4:31**
